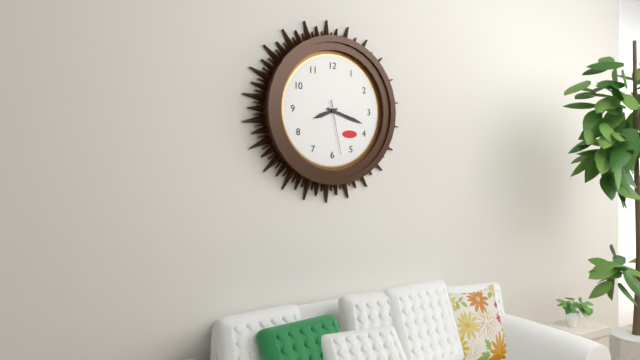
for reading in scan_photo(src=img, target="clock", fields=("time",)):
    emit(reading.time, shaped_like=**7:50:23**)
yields **8:18:28**
